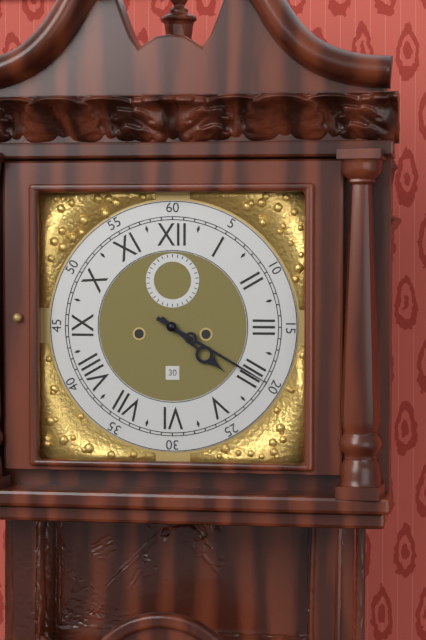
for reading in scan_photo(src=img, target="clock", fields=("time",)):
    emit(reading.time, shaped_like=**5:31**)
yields **4:20**
